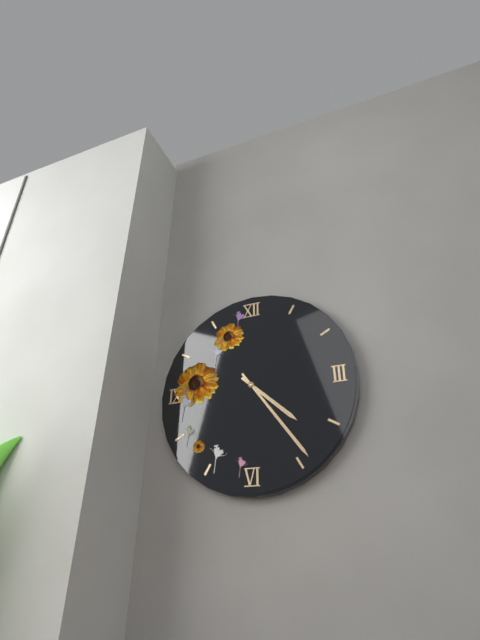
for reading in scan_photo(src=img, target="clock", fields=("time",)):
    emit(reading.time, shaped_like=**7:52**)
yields **4:24**
